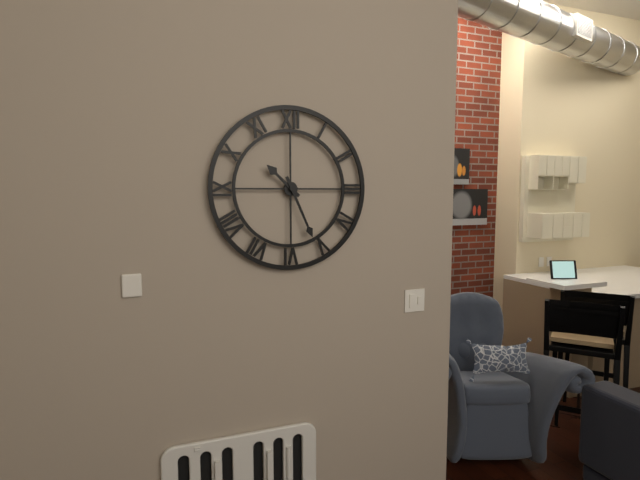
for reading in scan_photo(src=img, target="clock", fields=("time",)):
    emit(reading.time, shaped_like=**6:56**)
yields **10:26**
